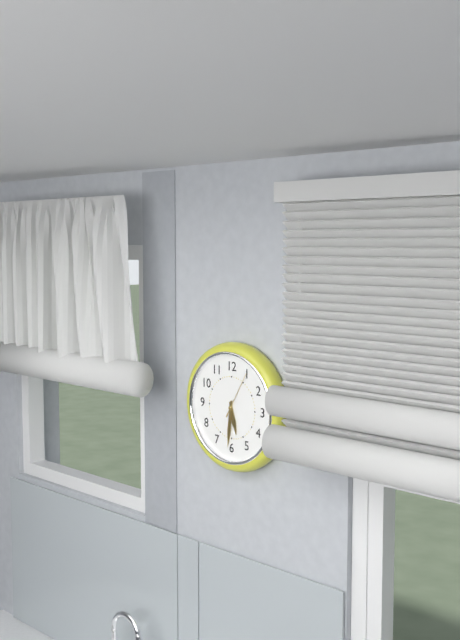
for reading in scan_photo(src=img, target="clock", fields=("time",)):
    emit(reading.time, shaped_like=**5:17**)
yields **5:31**
